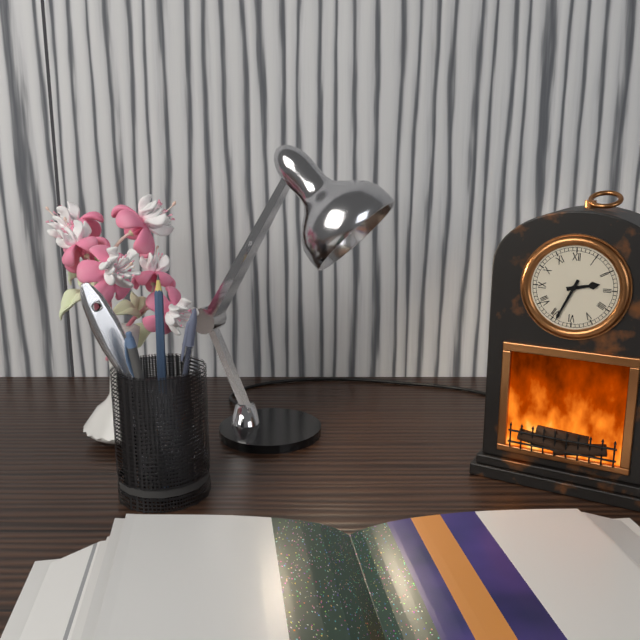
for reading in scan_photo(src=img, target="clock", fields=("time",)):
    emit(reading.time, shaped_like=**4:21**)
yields **2:34**
